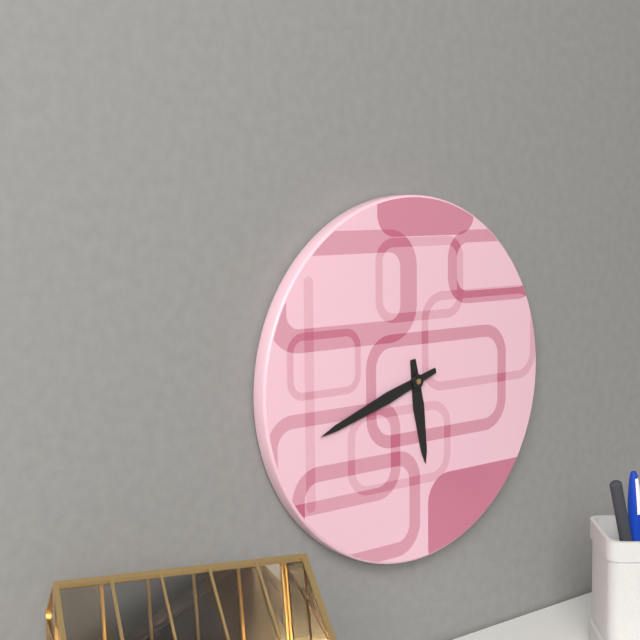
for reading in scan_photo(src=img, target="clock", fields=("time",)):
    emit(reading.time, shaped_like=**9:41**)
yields **5:42**
